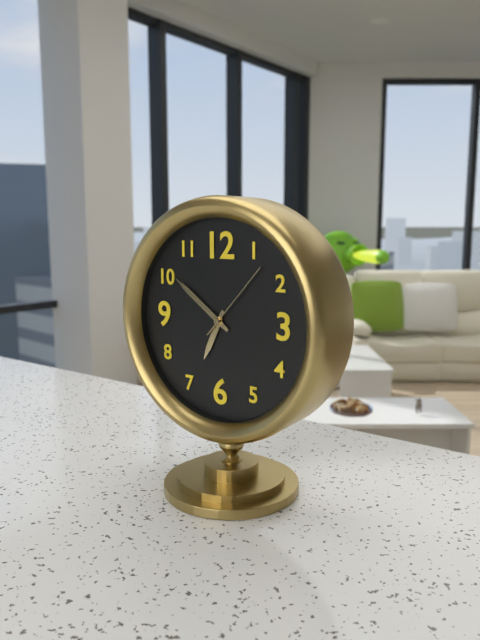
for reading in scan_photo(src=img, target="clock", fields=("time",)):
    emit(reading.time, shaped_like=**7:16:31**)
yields **6:51:07**
